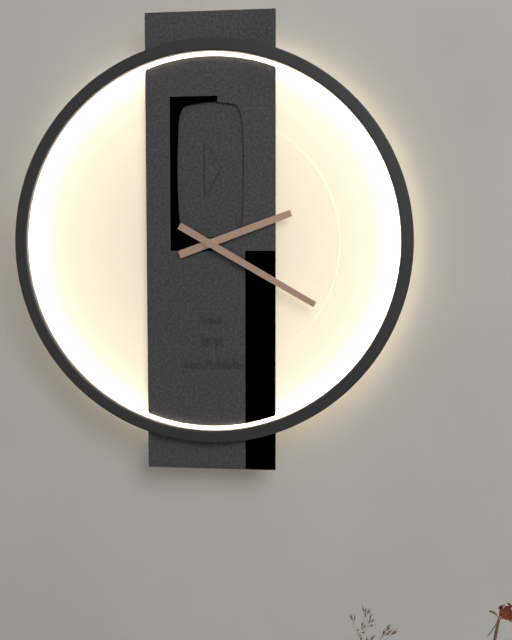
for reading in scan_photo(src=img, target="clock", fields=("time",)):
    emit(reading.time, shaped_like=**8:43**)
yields **2:20**
